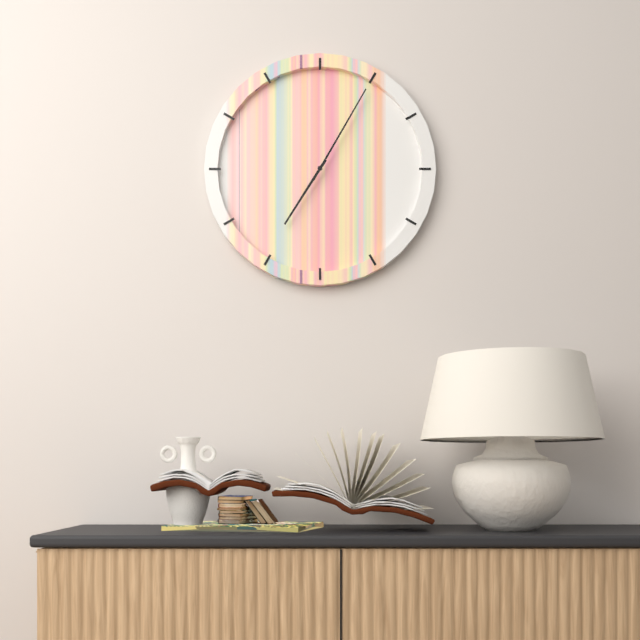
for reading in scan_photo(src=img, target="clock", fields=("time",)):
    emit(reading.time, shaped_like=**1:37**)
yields **7:05**
